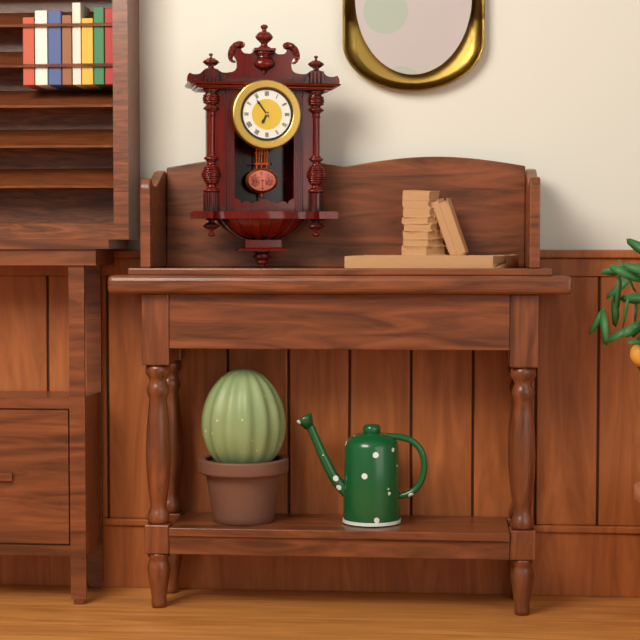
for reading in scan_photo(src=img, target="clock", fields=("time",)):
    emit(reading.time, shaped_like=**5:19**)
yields **6:54**
